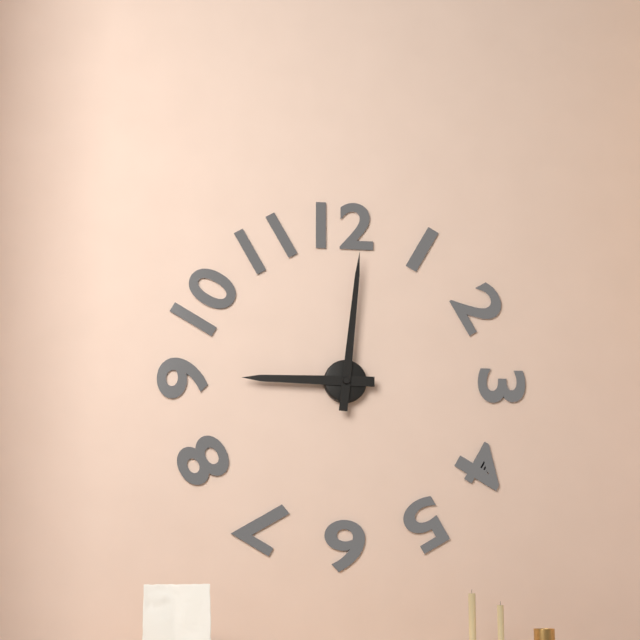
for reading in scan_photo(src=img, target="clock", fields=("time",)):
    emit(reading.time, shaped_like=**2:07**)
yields **9:01**
